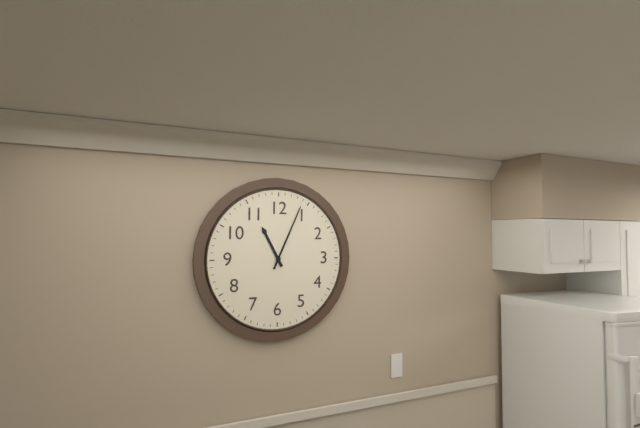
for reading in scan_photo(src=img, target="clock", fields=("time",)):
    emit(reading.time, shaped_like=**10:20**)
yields **11:04**
